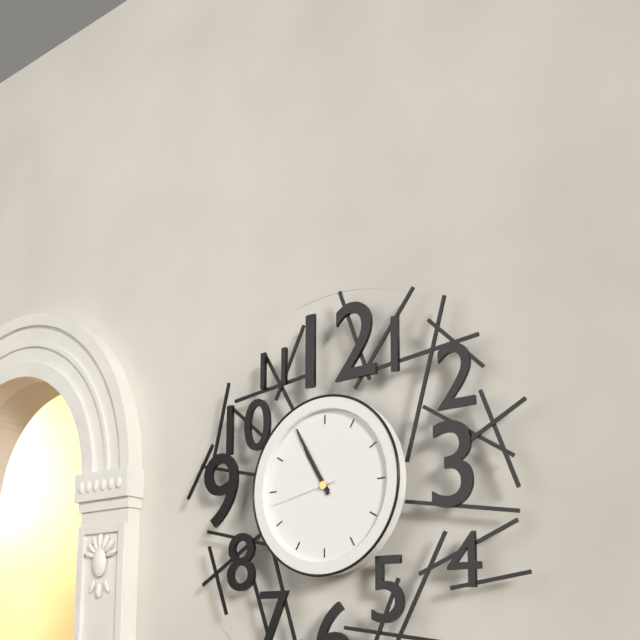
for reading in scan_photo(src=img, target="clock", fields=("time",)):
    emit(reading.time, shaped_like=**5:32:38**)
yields **10:55:43**
